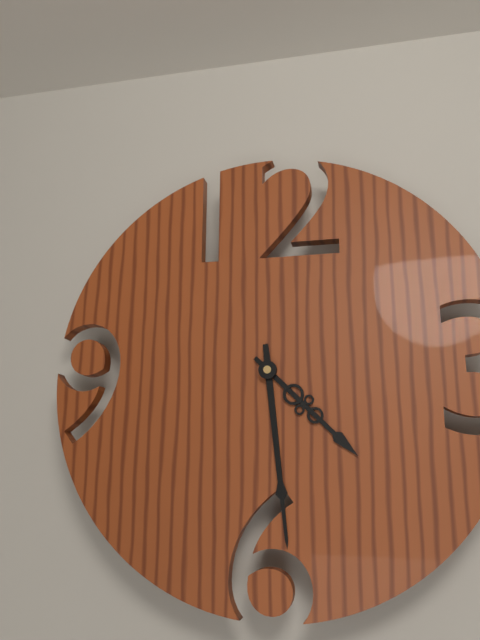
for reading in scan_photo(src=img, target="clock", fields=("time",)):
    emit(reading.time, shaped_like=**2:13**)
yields **4:29**
